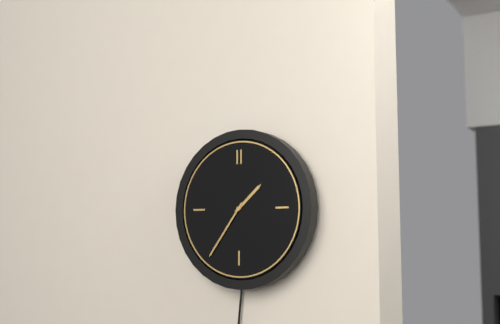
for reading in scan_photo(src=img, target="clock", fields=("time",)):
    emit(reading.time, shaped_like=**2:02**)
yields **1:36**
